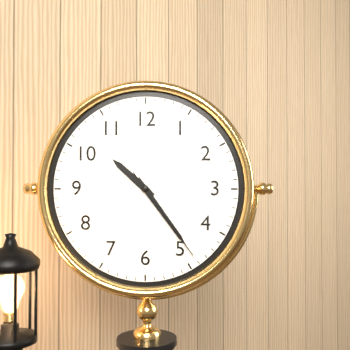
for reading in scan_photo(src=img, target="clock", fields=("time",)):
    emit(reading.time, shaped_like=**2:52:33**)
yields **10:24:24**
